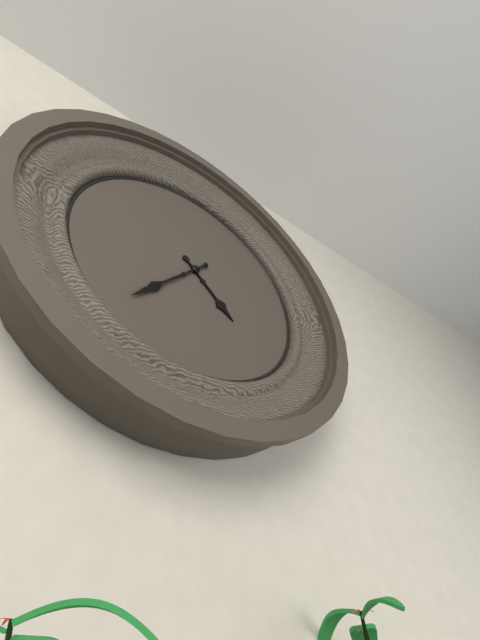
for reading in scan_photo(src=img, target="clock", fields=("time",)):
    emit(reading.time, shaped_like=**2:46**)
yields **4:37**
